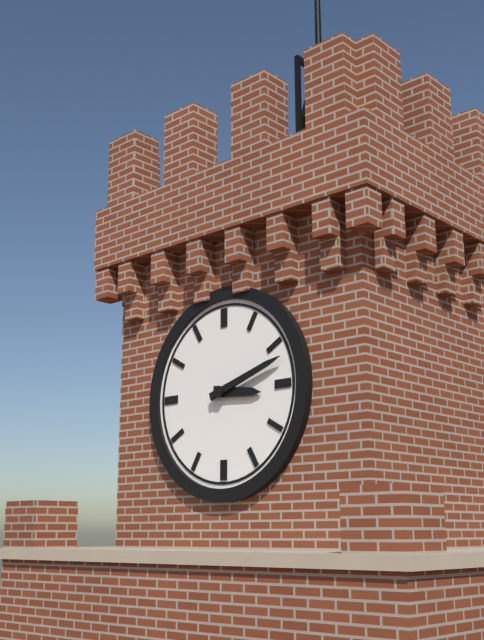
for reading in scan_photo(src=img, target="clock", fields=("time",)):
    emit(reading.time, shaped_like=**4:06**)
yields **3:12**
